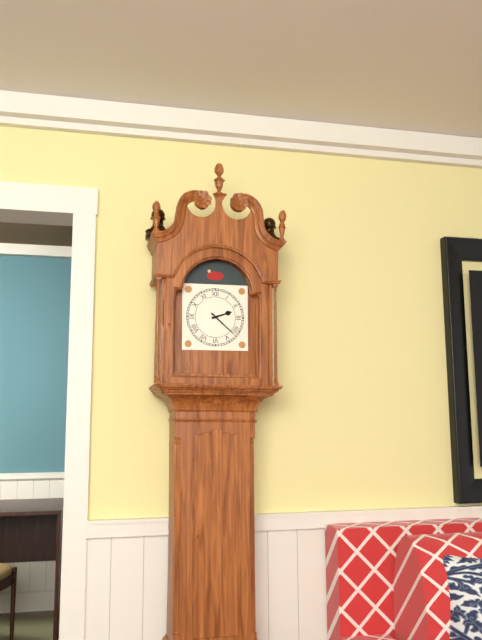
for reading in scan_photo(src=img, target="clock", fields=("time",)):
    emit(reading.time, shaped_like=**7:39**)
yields **2:22**
